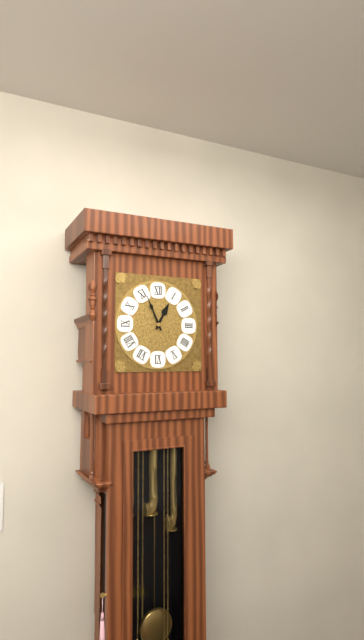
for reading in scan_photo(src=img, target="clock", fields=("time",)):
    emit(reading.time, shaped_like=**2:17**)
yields **12:56**
